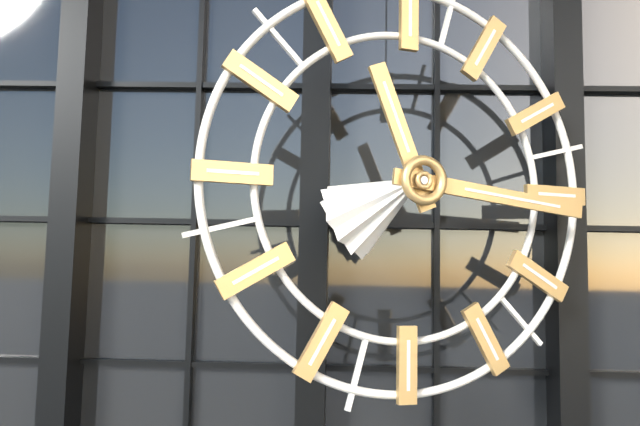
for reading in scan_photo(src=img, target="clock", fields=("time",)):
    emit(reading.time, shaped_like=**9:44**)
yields **11:16**
